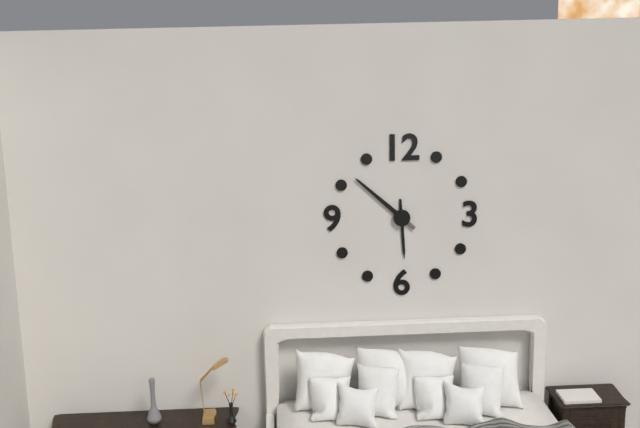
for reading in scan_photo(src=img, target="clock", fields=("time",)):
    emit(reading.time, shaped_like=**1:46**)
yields **5:52**
